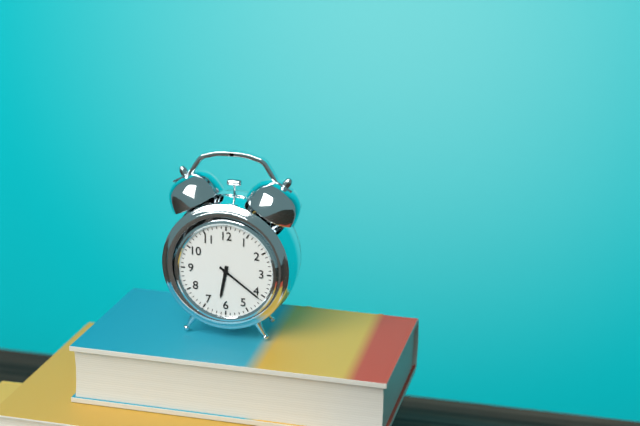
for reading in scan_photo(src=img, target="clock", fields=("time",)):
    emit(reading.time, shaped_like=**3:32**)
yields **6:21**
